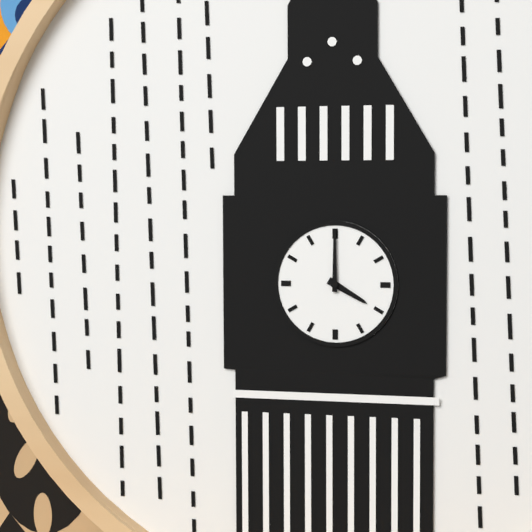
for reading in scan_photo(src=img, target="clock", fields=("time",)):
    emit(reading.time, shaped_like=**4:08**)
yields **4:00**
